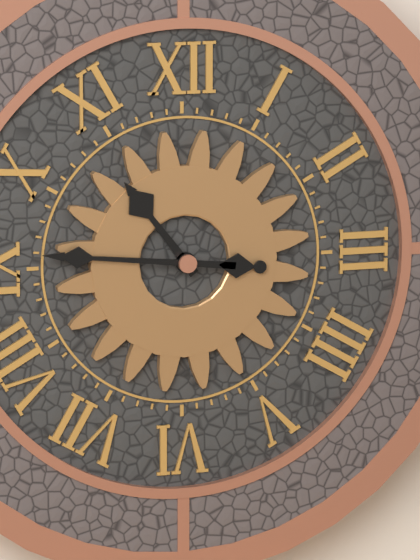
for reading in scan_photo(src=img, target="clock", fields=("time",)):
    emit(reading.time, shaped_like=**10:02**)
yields **10:46**
